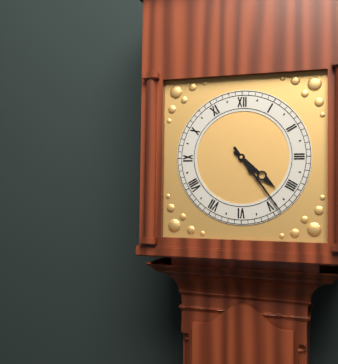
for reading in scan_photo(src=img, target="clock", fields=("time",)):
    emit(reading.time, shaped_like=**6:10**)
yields **4:24**
